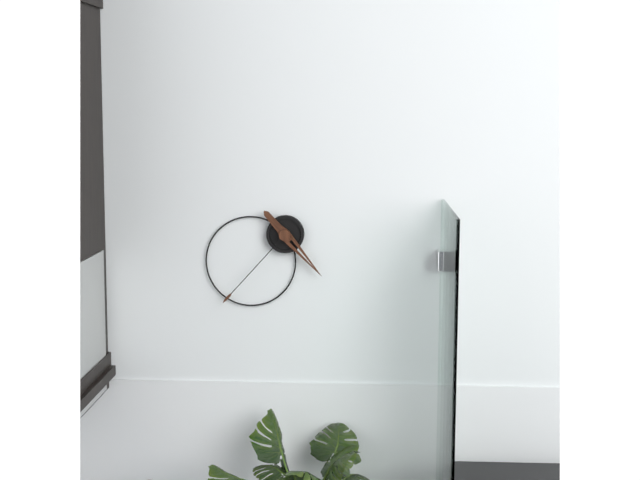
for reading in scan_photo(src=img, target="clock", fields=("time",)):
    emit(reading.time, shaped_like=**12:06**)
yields **4:37**
